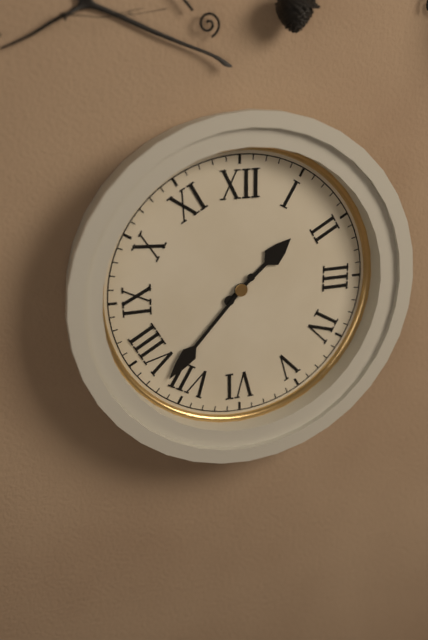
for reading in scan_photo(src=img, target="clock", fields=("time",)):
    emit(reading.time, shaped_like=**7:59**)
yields **1:37**
